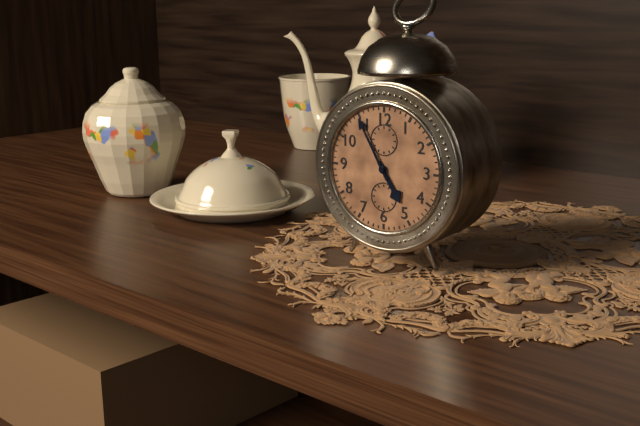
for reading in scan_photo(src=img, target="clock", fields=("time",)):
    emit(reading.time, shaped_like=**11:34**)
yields **4:55**
